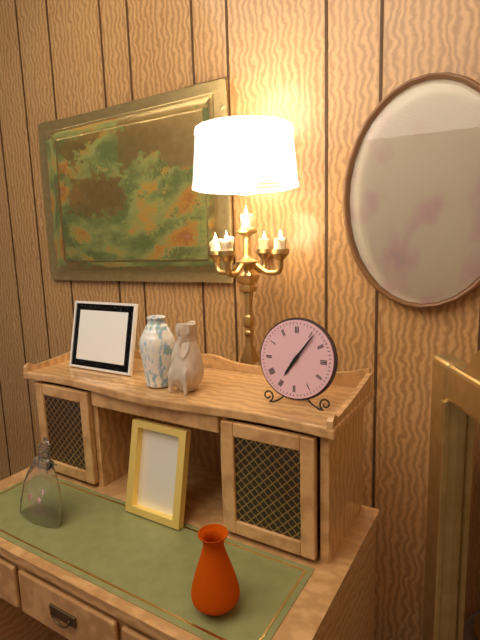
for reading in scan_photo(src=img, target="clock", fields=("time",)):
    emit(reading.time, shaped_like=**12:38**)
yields **7:06**
